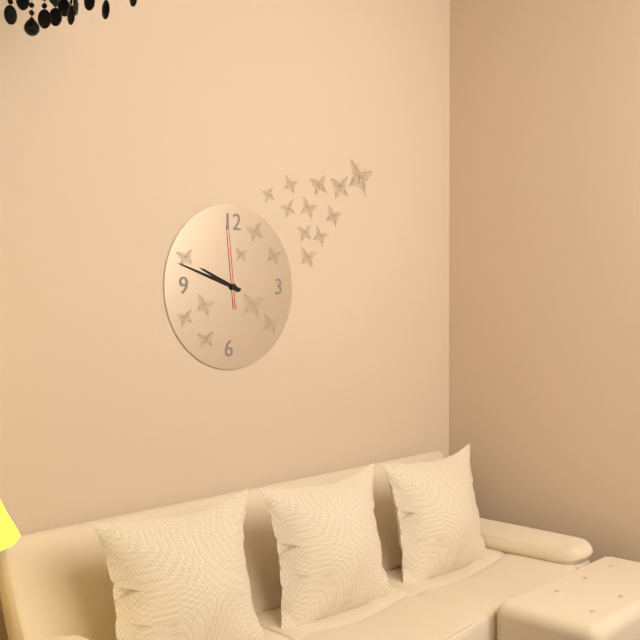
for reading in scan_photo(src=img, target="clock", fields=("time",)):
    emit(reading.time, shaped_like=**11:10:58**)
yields **9:48:59**
